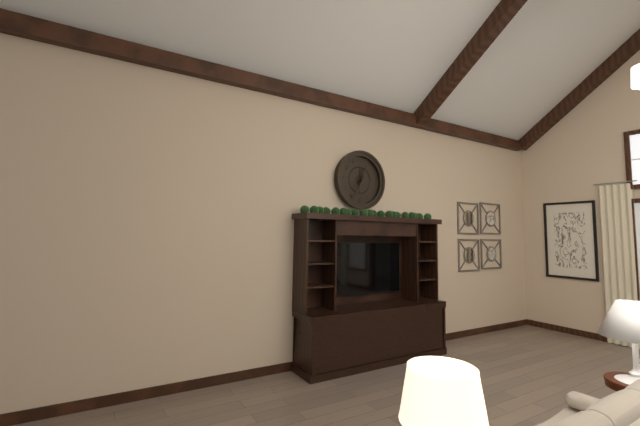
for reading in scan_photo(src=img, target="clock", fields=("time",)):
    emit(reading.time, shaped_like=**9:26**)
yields **12:35**
